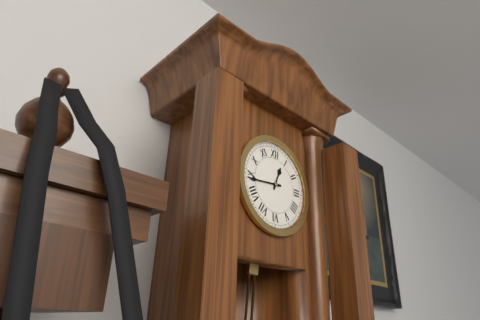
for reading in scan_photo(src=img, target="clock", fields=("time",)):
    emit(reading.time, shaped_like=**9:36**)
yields **12:44**
